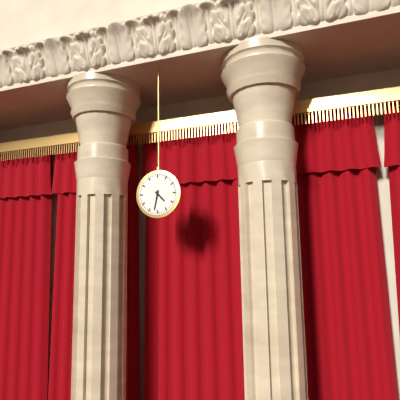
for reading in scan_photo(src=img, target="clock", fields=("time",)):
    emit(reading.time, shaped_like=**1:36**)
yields **4:32**
